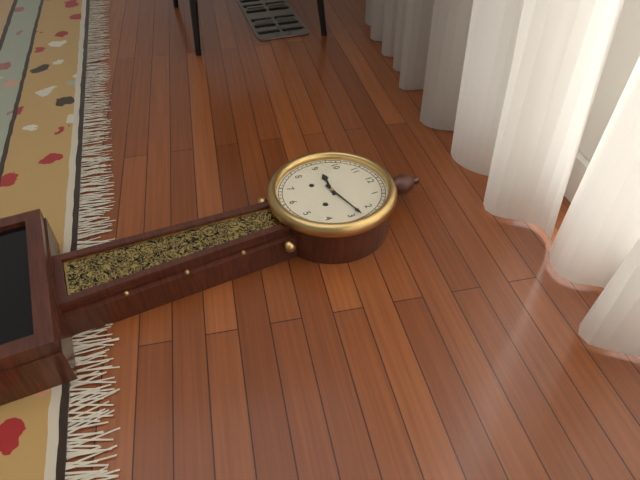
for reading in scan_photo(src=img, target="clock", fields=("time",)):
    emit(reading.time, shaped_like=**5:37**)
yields **9:13**
